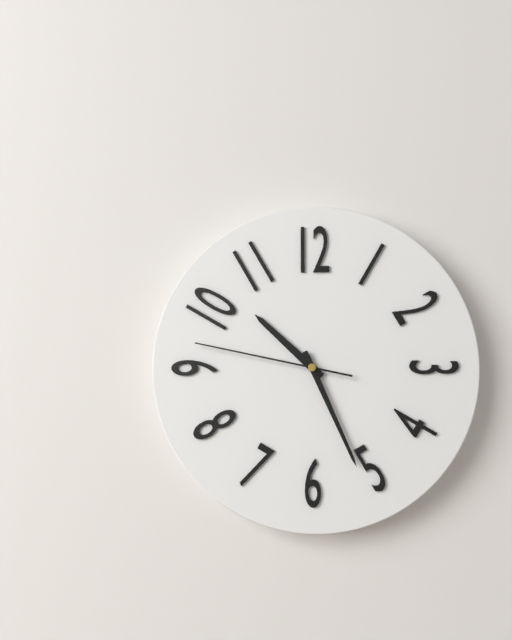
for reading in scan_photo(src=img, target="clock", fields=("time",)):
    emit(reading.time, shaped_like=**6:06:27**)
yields **10:26:47**
